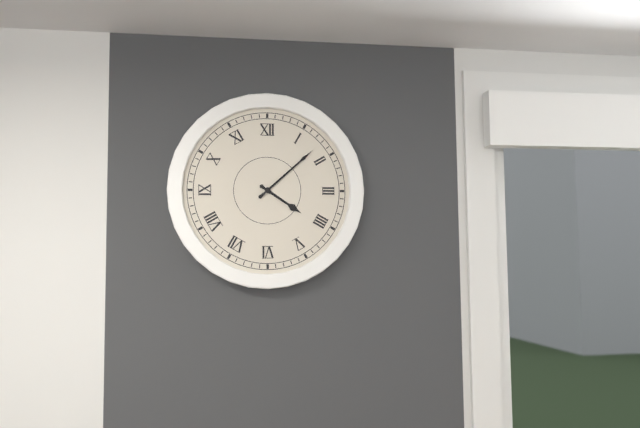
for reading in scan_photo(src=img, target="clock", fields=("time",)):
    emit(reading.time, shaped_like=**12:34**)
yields **4:08**
